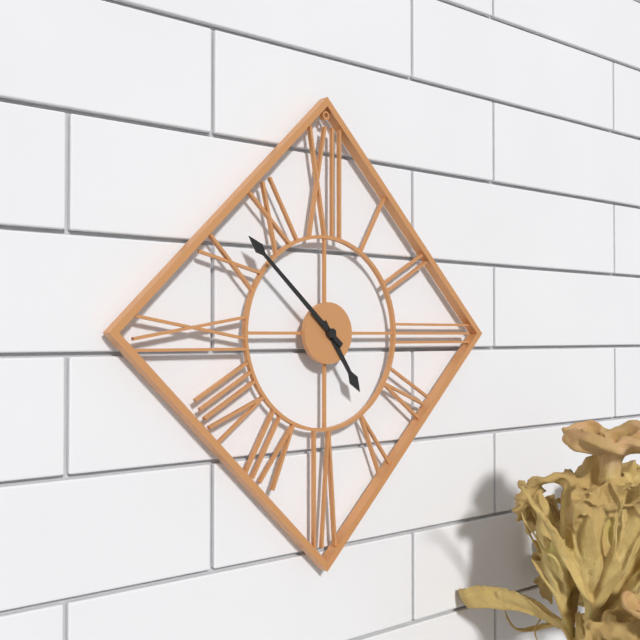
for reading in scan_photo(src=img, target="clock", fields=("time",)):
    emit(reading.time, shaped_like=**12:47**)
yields **4:52**
